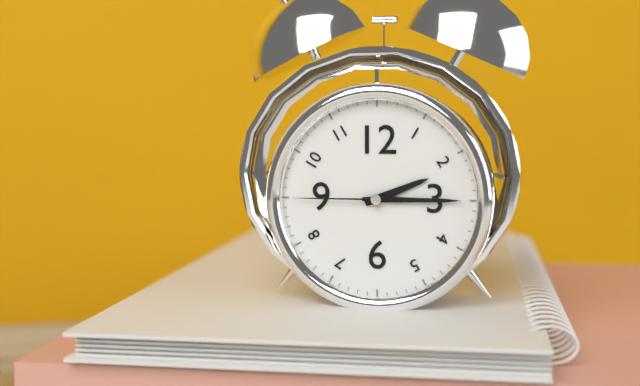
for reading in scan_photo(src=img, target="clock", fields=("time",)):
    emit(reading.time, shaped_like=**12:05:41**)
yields **2:15:45**
